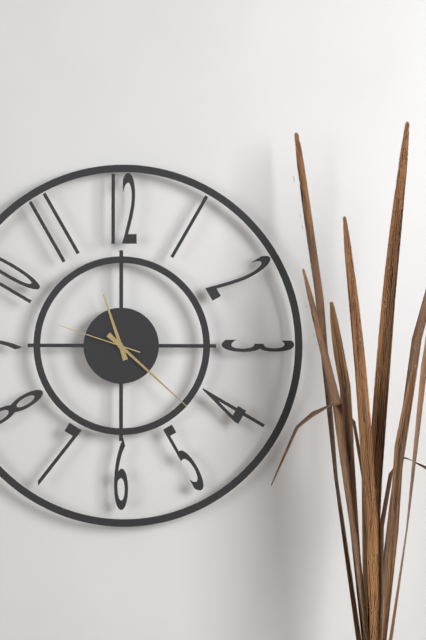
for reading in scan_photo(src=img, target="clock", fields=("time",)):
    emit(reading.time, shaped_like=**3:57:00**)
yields **11:22:48**
